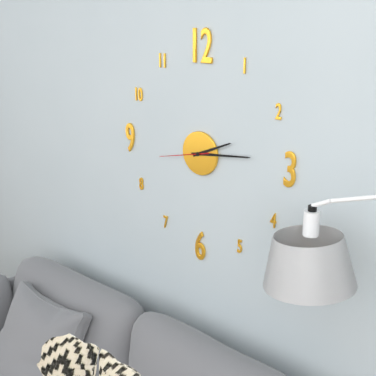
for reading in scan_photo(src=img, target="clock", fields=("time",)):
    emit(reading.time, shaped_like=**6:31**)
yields **2:14**
